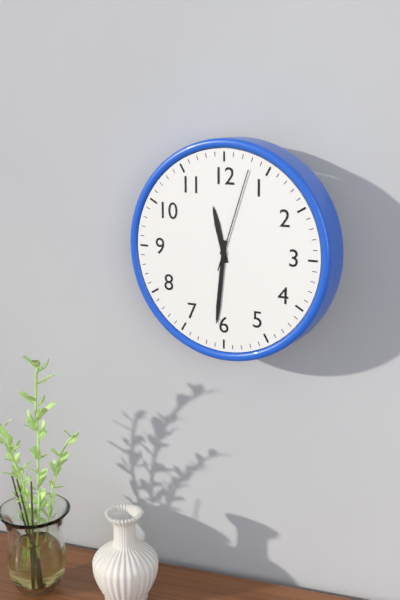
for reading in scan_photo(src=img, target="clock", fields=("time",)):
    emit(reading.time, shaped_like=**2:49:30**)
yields **11:31:03**
